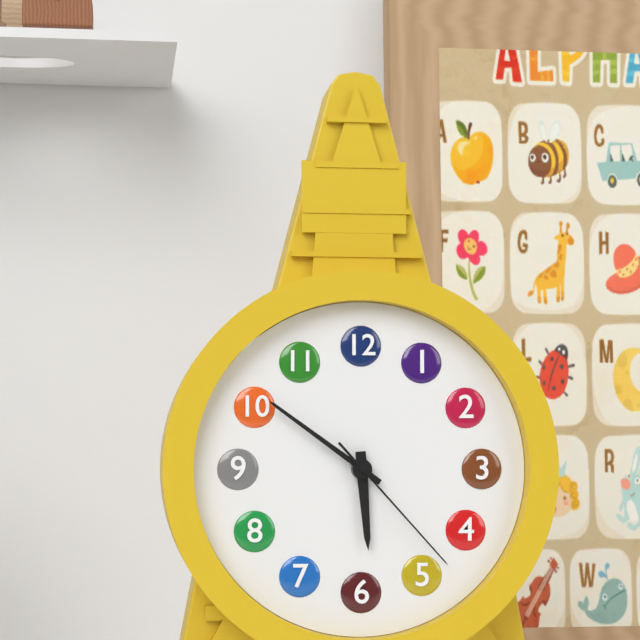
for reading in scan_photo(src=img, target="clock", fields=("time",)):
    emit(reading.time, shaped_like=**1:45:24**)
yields **5:51:23**
